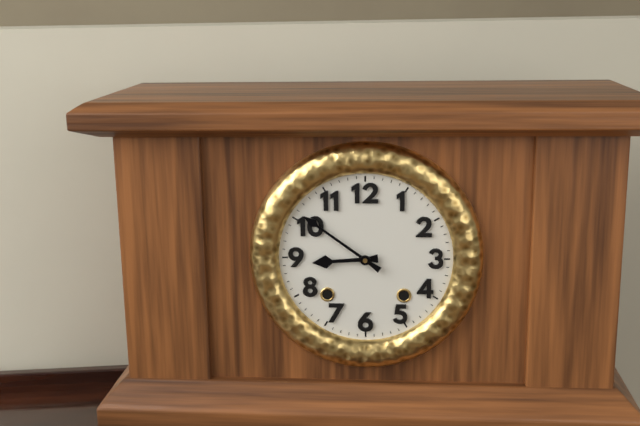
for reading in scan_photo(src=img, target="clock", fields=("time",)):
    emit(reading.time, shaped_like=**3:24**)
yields **8:51**
